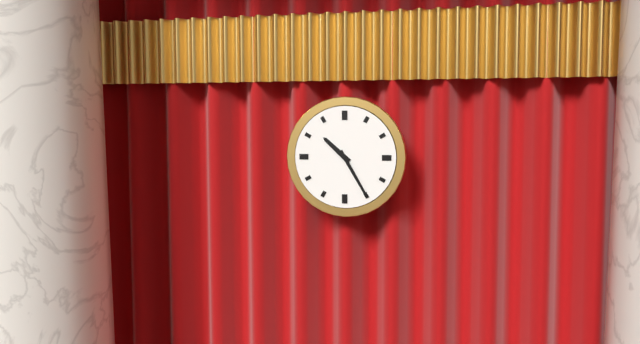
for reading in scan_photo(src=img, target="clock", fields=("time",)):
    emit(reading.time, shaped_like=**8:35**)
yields **10:25**
